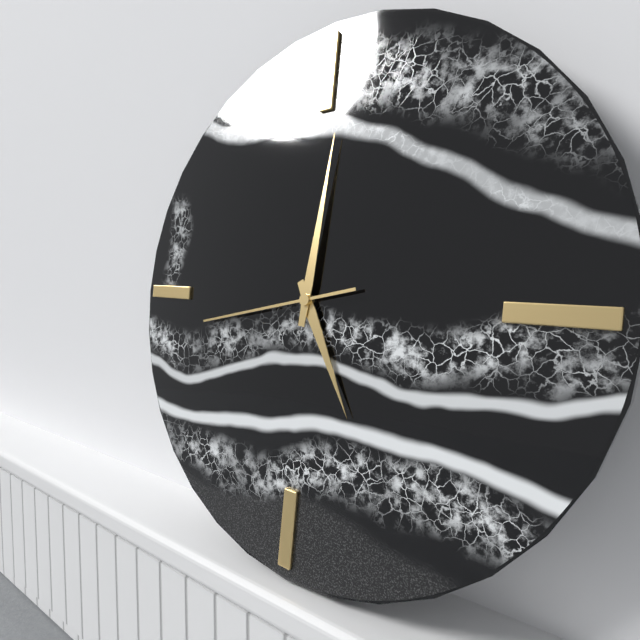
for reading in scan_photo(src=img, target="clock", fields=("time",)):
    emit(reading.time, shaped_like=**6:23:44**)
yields **5:01:43**
